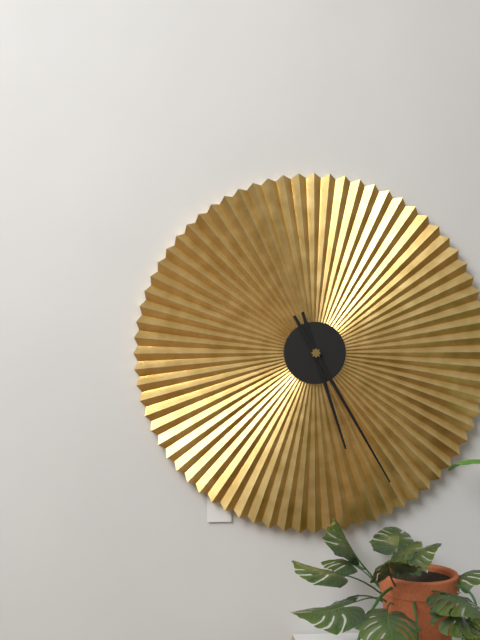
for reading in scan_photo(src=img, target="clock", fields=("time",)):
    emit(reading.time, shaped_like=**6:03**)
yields **5:25**
